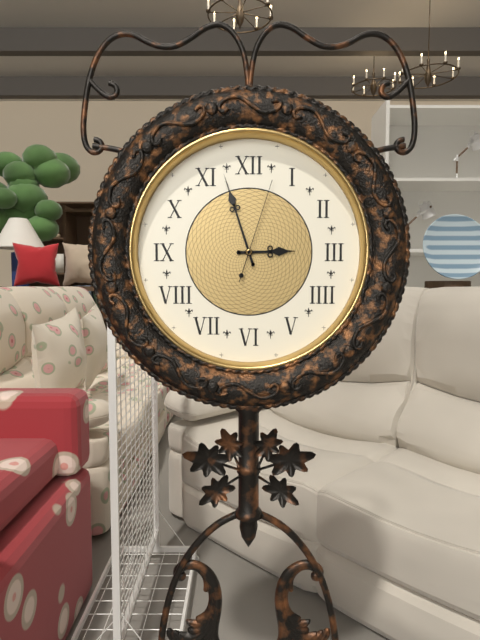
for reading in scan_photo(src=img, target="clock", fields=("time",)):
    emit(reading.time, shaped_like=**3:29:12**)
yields **2:57:03**
